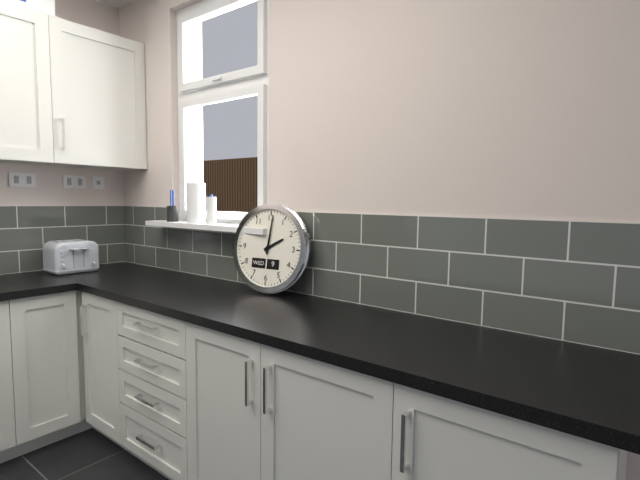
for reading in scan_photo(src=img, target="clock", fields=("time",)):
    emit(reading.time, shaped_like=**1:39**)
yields **2:01**
